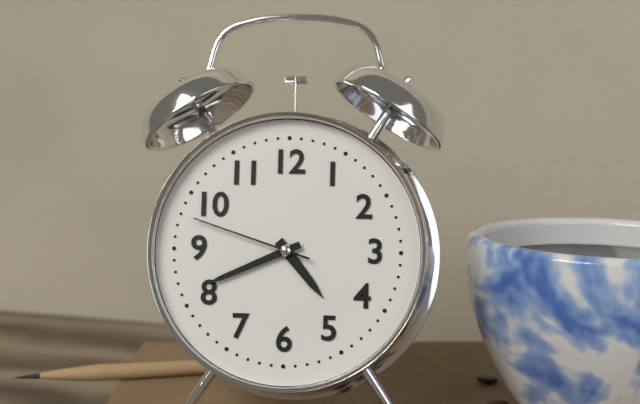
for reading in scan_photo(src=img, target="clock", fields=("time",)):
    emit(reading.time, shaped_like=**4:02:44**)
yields **4:41:48**
